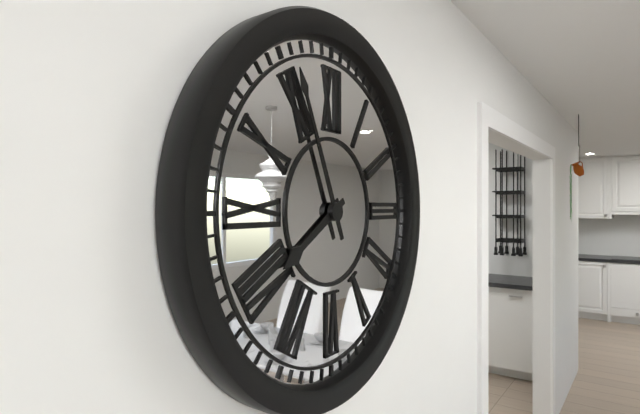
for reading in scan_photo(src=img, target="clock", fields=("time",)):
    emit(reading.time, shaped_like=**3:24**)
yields **7:56**
